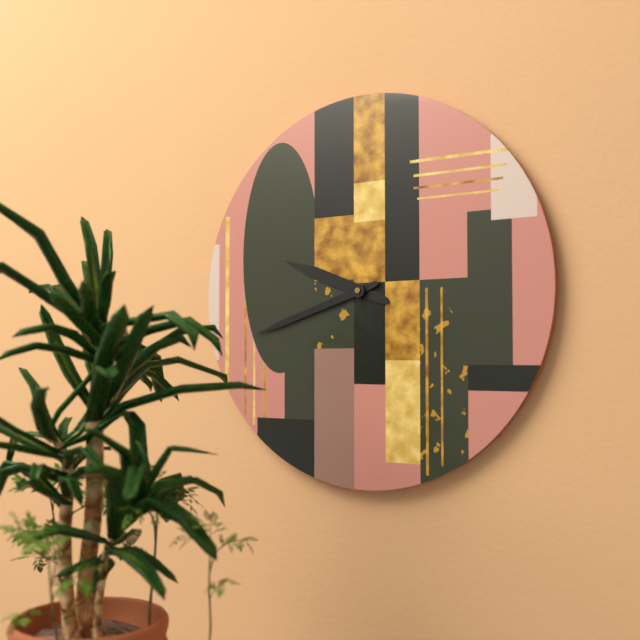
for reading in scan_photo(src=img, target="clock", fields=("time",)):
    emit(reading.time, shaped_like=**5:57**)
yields **9:42**
